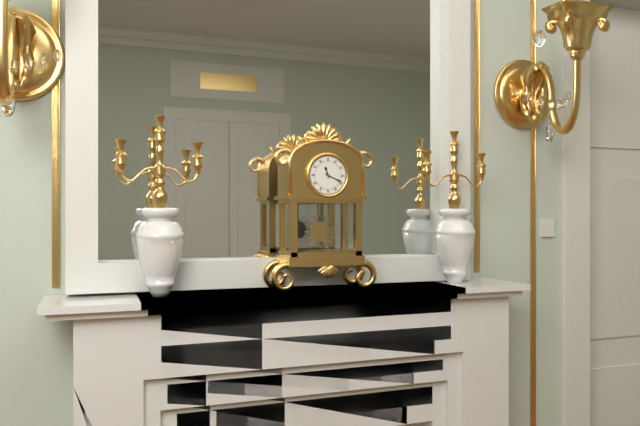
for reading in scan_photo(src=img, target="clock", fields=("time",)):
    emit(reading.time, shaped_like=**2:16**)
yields **11:19**
